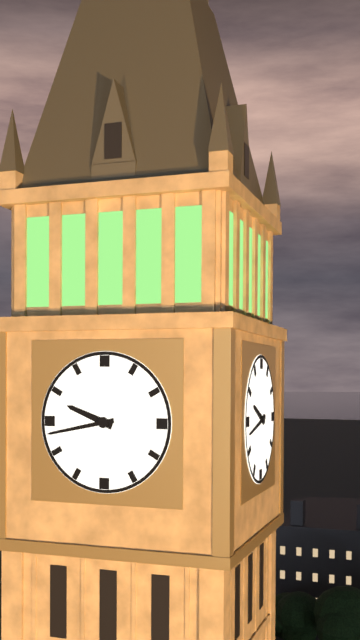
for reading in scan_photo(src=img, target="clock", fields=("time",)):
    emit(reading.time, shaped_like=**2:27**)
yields **9:43**
